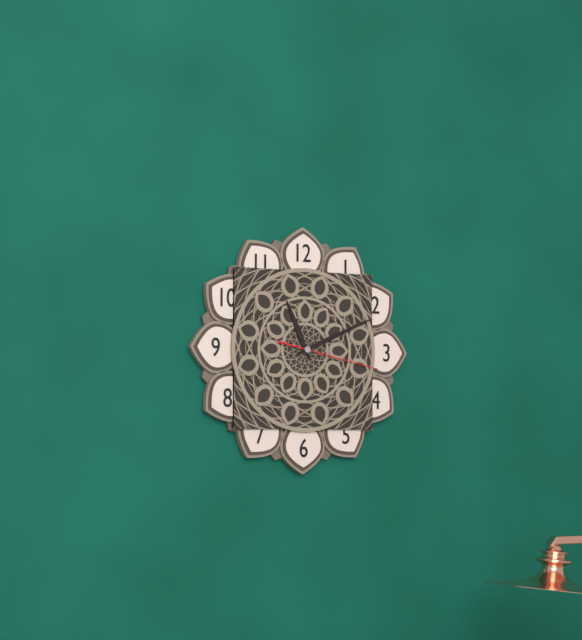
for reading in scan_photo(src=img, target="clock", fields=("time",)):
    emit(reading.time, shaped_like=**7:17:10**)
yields **11:11:17**
